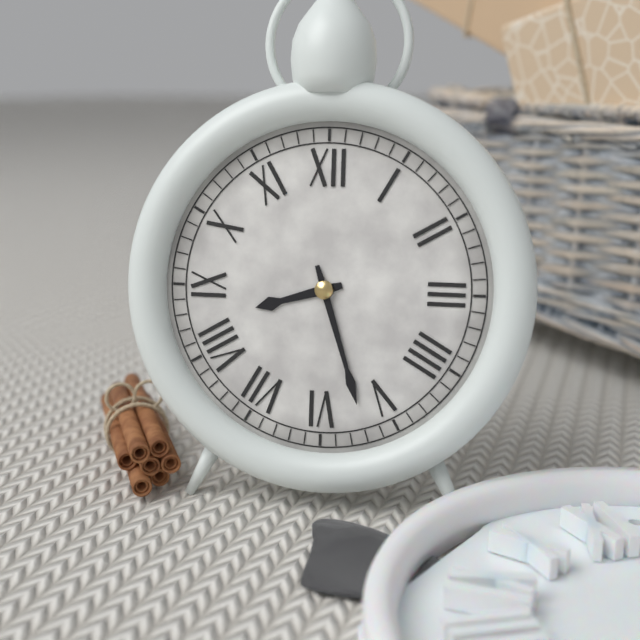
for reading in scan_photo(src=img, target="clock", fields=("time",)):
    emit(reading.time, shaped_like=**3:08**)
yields **8:27**
